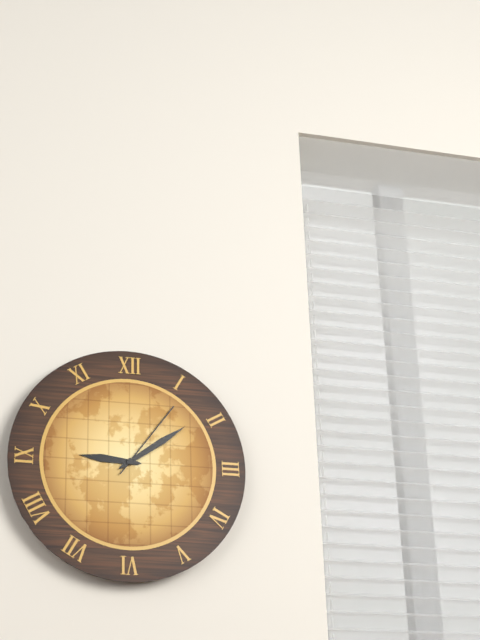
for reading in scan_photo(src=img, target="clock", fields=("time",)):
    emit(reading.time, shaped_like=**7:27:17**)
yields **9:09:06**
